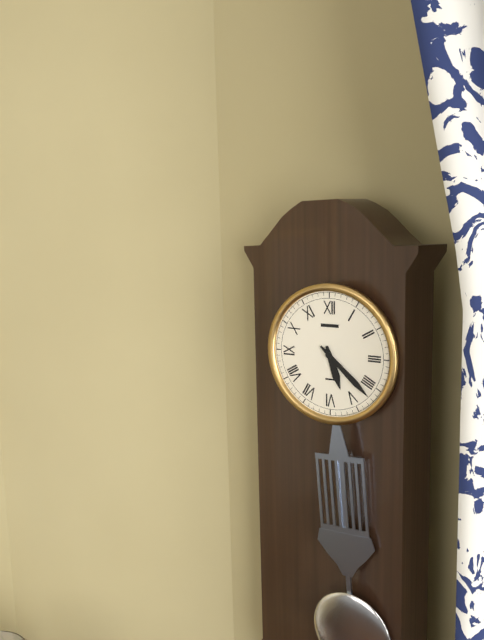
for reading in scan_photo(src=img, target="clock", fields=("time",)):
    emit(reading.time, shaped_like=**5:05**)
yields **5:22**
